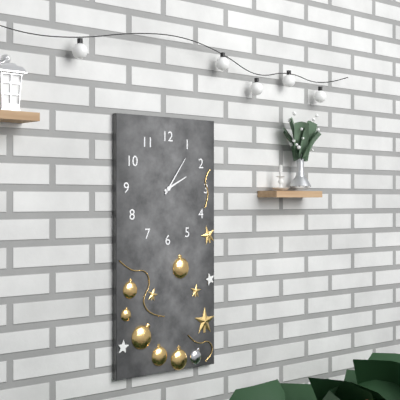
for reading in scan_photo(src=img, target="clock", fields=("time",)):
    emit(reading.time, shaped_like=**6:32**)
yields **2:06**
